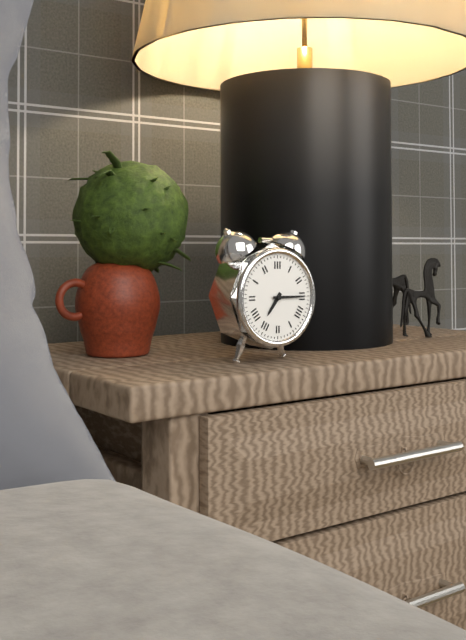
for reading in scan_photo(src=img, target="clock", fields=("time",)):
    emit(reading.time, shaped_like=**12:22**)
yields **7:15**
